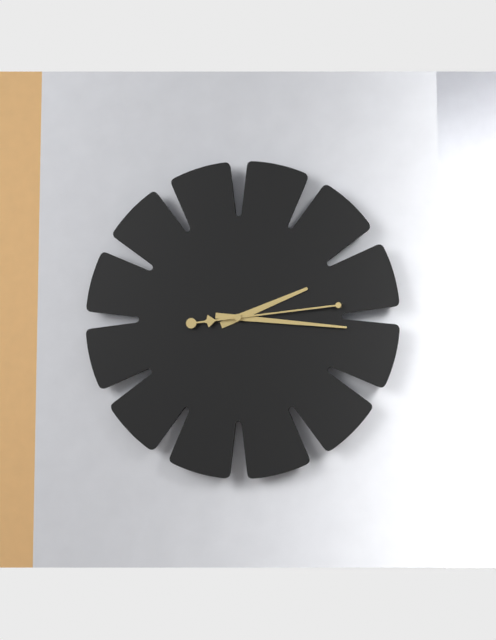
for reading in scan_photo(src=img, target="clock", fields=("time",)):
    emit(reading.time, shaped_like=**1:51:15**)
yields **2:16:14**
